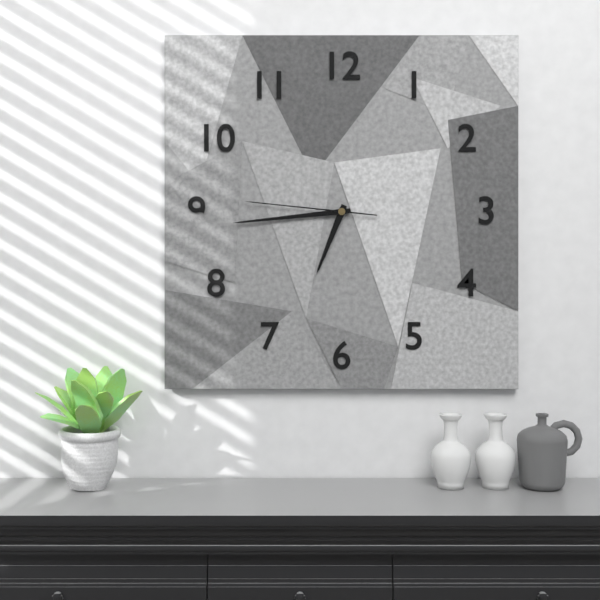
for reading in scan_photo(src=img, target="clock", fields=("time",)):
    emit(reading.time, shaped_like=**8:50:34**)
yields **6:44:46**
